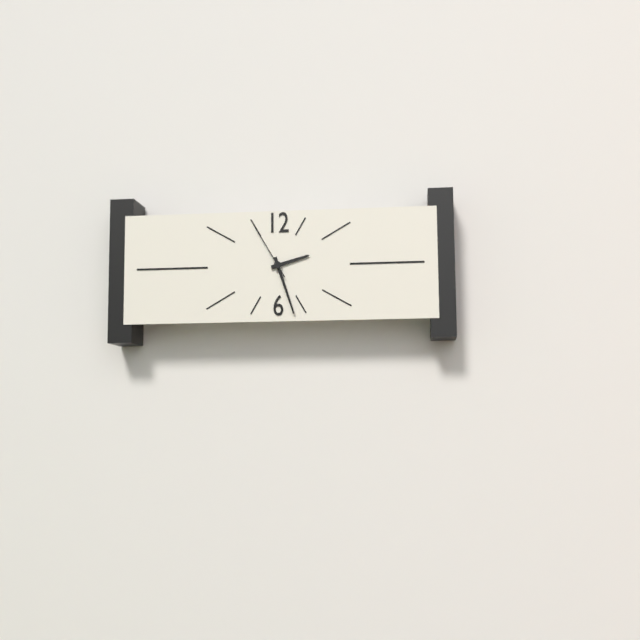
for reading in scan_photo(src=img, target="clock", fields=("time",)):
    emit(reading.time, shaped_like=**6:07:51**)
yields **2:27:55**
